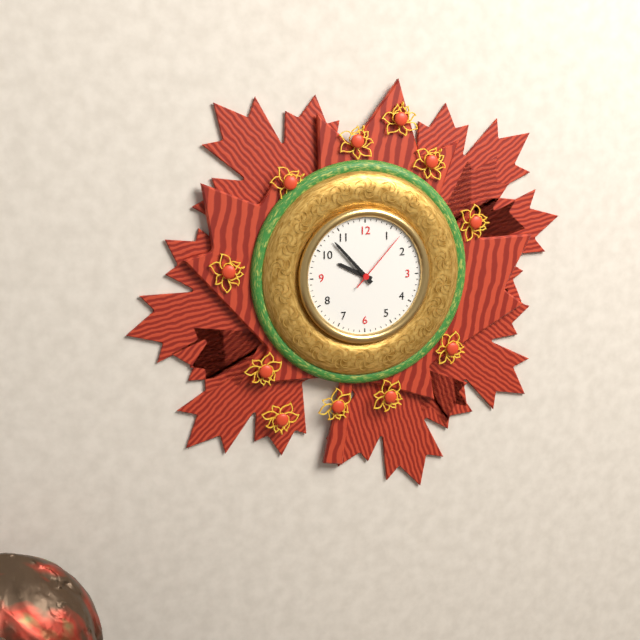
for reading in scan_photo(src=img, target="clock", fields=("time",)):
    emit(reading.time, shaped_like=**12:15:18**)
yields **9:53:07**
